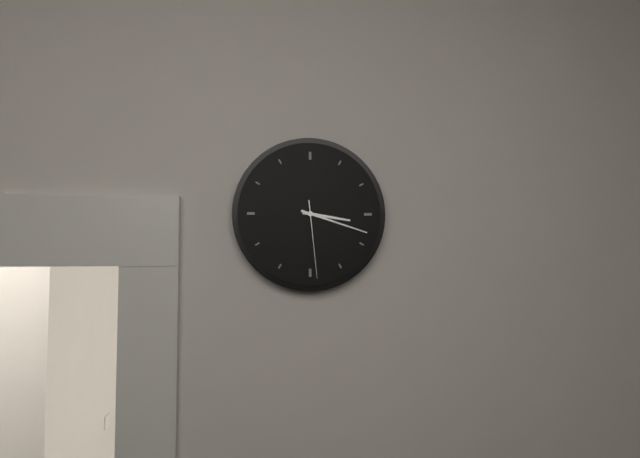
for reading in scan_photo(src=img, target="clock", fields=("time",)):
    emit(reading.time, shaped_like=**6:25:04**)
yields **3:18:29**
